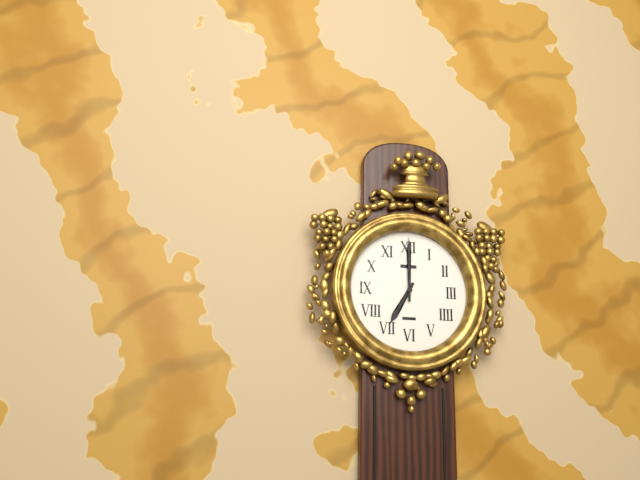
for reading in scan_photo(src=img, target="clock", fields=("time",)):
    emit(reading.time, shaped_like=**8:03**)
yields **7:00**
